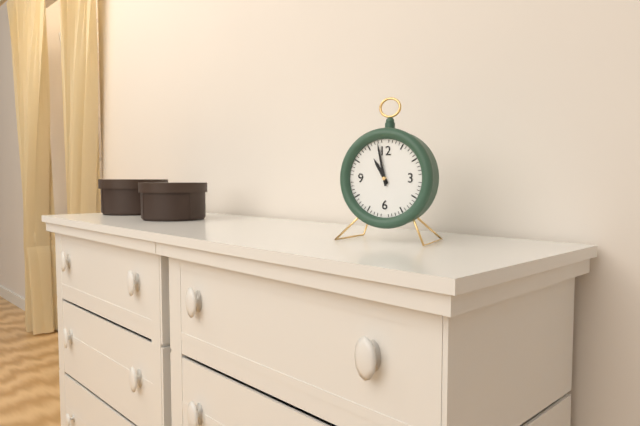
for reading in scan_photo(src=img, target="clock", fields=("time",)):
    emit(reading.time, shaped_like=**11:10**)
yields **10:58**
